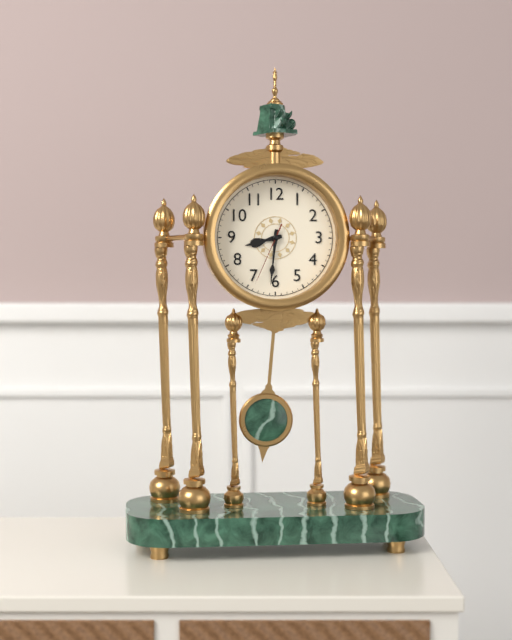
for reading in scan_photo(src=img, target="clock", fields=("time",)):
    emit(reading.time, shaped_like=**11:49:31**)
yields **8:31:34**
